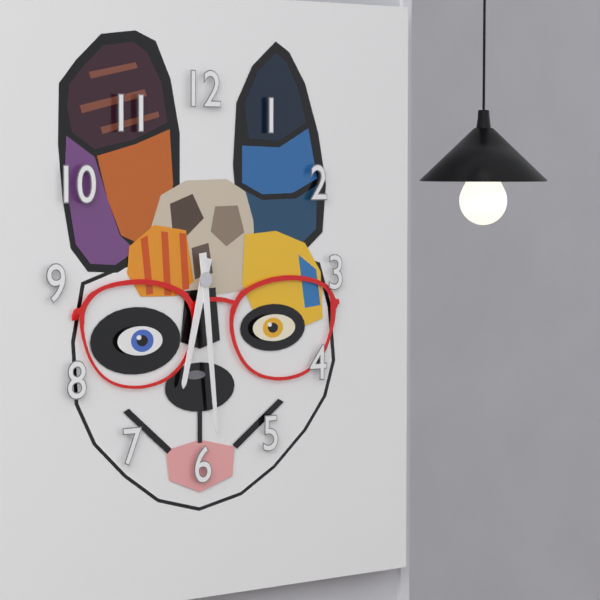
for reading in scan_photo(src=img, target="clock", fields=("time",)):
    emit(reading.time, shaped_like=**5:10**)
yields **6:29**
